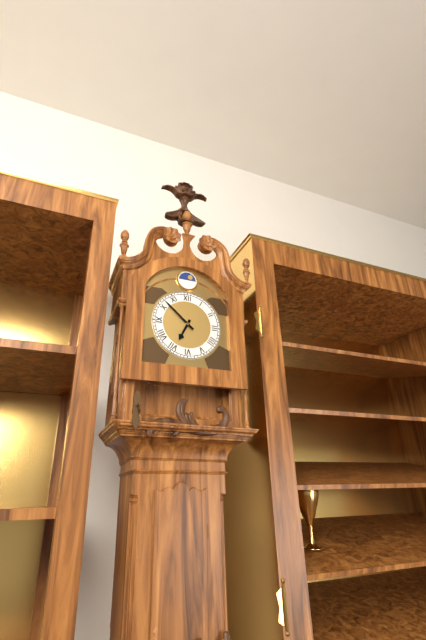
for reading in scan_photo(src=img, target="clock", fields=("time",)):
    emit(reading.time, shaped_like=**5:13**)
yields **6:52**
